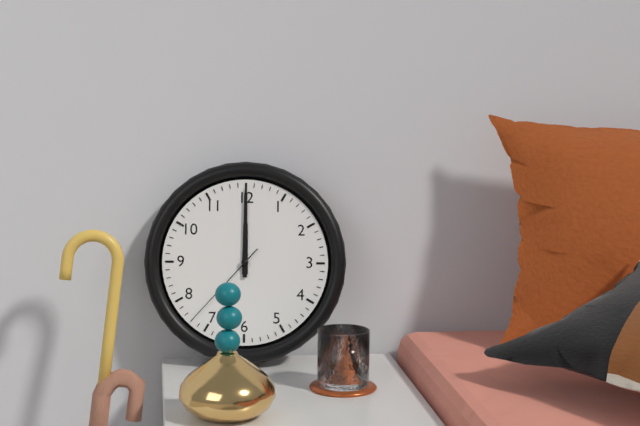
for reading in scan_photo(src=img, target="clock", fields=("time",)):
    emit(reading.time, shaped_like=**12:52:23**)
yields **12:00:37**
